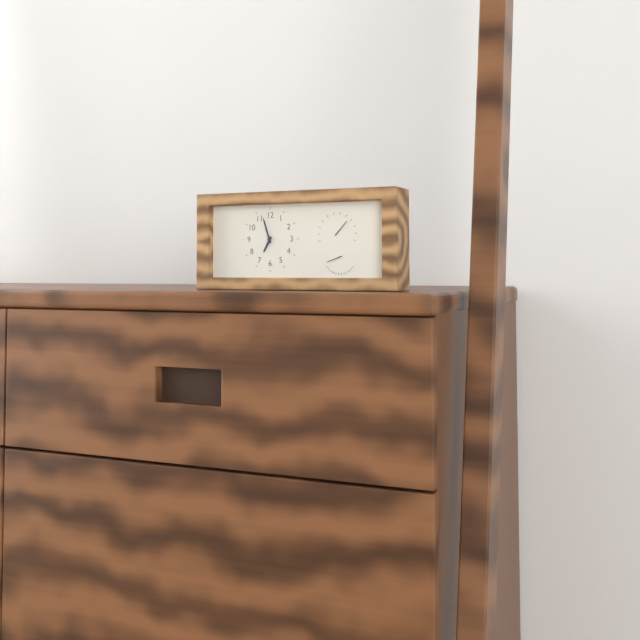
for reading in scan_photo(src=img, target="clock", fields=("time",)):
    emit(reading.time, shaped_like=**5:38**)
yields **6:57**
